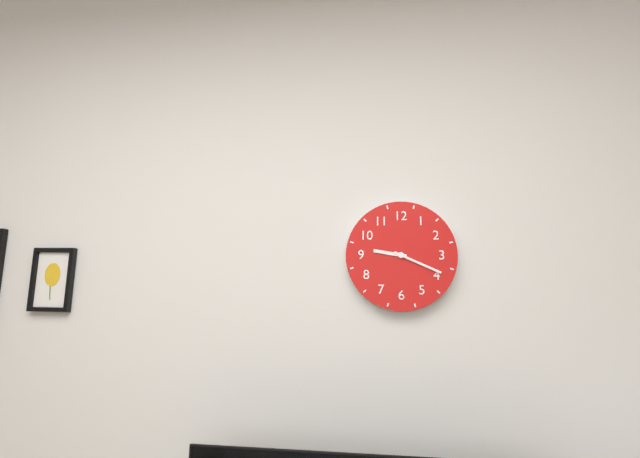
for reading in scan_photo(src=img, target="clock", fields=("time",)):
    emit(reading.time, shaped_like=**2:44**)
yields **9:19**
